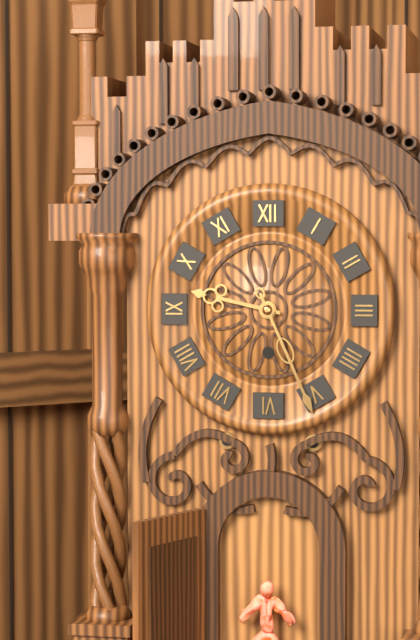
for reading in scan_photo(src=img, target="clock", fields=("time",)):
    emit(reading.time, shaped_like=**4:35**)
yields **9:26**
